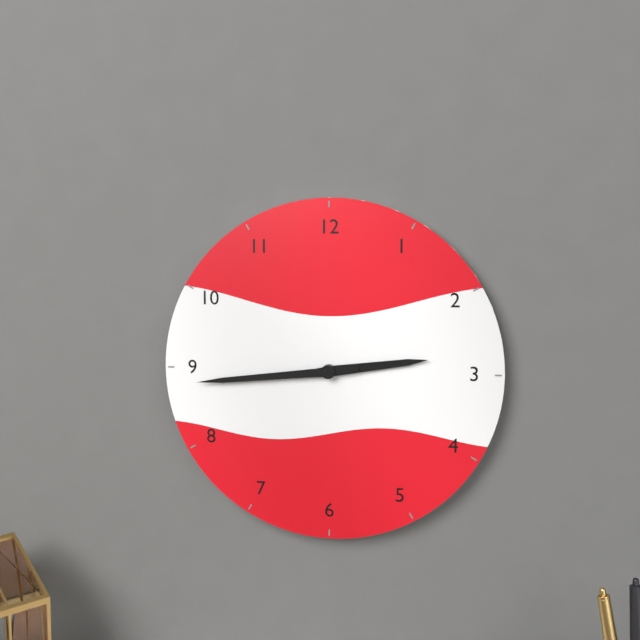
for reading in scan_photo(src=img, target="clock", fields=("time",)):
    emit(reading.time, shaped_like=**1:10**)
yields **2:44**
